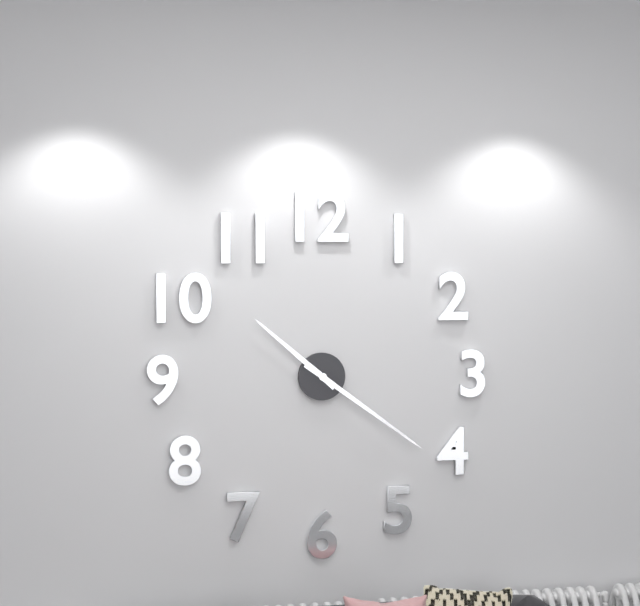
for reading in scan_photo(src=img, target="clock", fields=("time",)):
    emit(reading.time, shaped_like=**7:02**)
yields **10:21**
